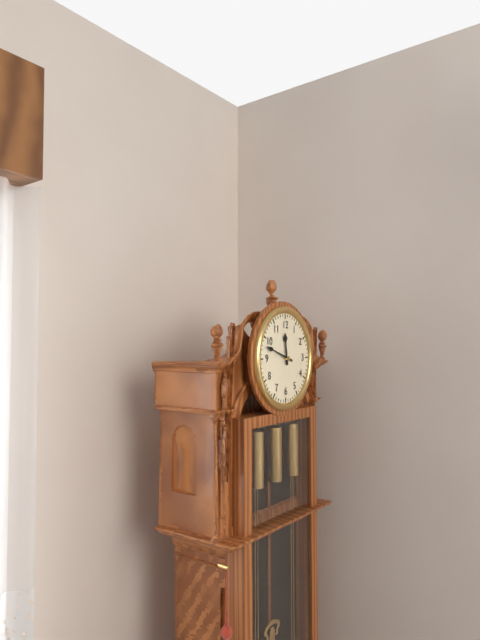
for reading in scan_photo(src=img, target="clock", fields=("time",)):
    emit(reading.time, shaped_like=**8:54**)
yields **11:48**
